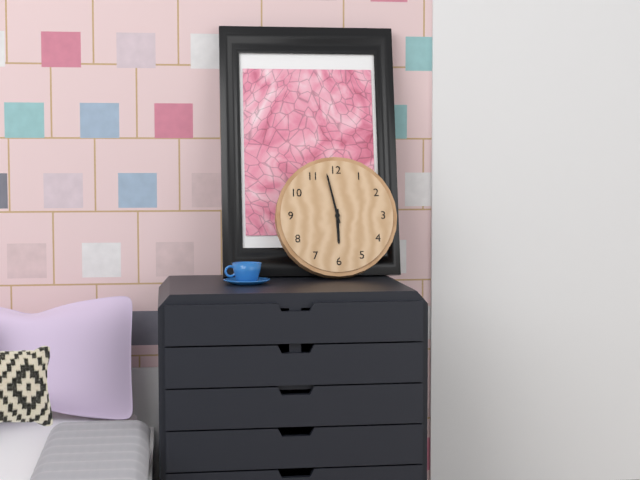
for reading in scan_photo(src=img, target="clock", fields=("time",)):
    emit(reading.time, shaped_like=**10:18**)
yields **5:58**
